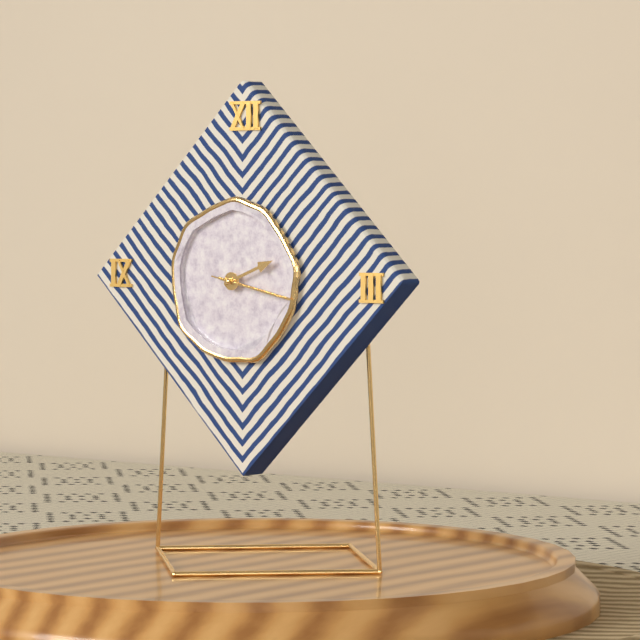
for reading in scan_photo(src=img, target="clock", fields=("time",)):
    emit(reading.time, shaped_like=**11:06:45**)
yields **2:17:17**
